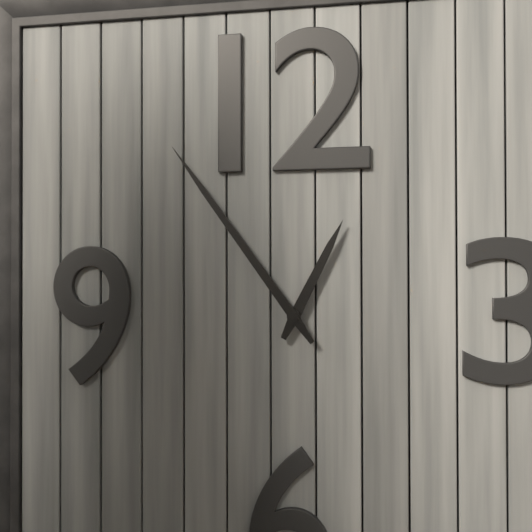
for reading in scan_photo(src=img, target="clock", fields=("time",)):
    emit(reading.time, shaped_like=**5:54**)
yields **12:54**
